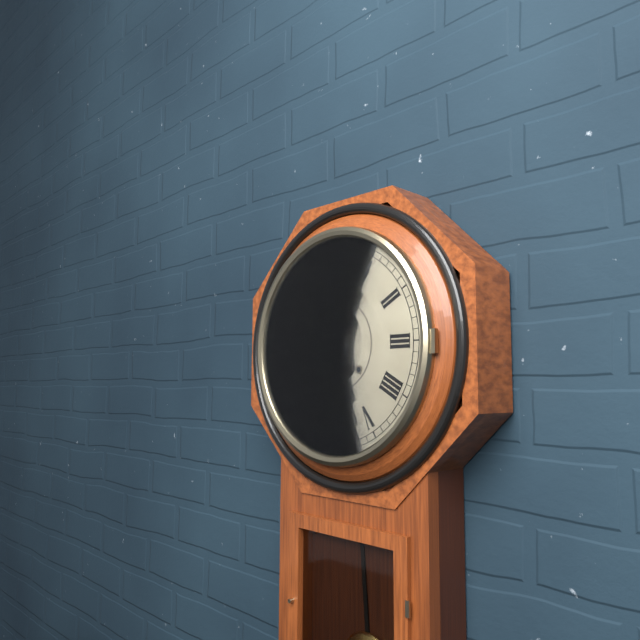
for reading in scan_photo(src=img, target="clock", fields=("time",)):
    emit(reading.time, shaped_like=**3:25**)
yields **9:59**
